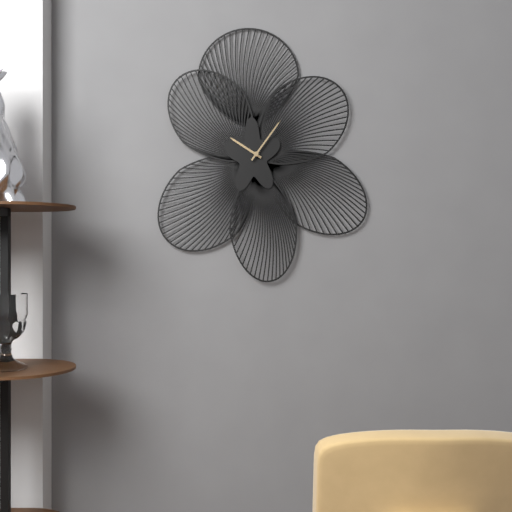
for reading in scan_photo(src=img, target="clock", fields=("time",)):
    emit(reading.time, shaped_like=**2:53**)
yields **10:06**
